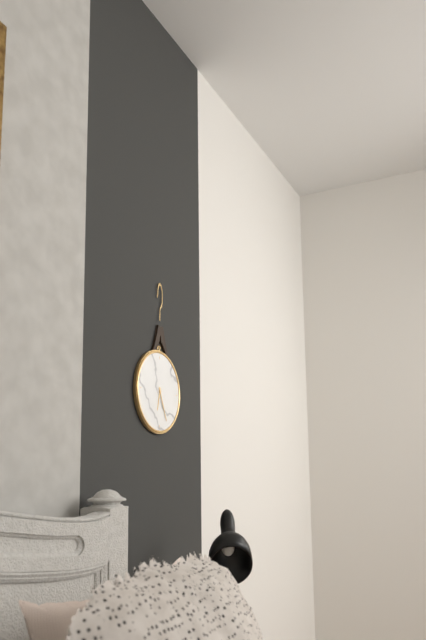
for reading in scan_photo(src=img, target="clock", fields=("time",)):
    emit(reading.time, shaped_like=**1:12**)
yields **6:26**
